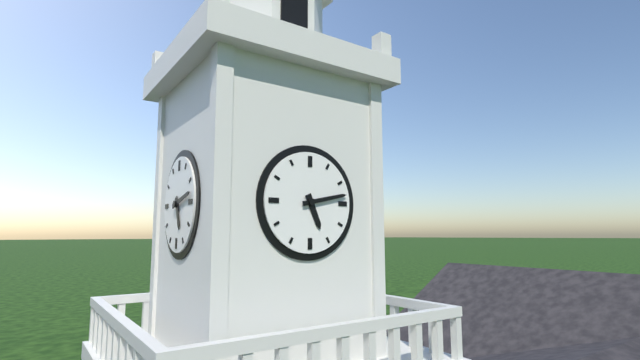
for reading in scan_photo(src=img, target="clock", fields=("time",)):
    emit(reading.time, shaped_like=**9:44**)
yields **5:13**
